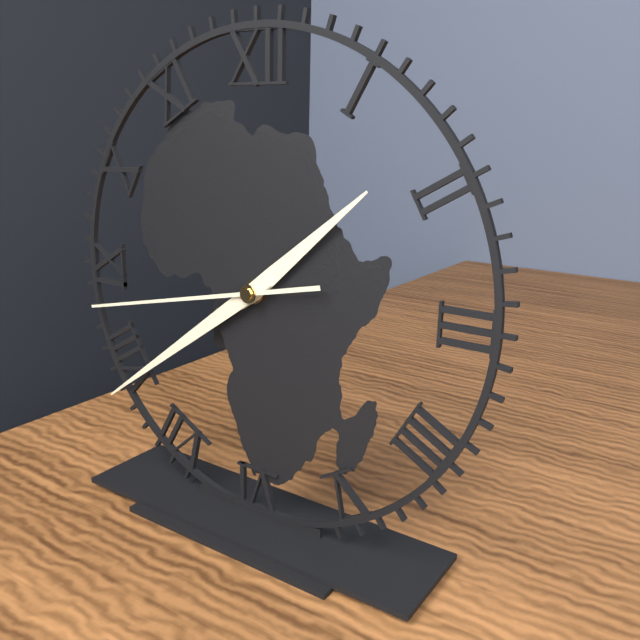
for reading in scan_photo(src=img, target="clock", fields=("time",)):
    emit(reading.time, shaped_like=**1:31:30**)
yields **1:39:43**
